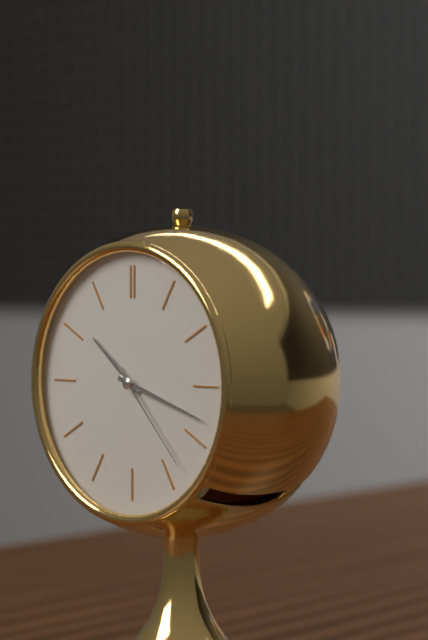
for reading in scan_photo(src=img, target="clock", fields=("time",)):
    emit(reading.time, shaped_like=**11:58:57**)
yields **10:18:23**
